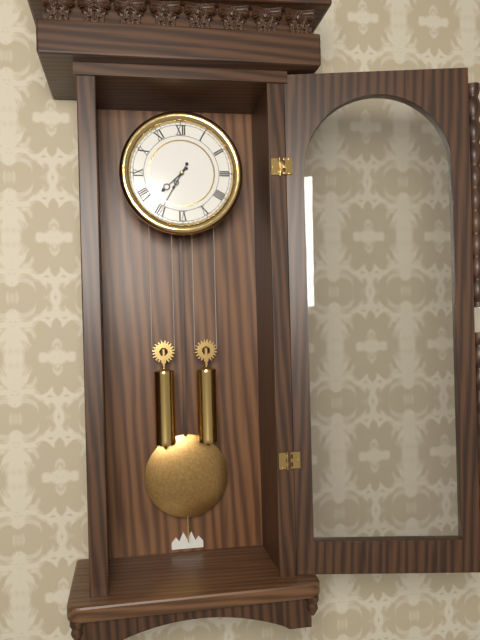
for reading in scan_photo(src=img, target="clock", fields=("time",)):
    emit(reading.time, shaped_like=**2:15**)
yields **7:35**
